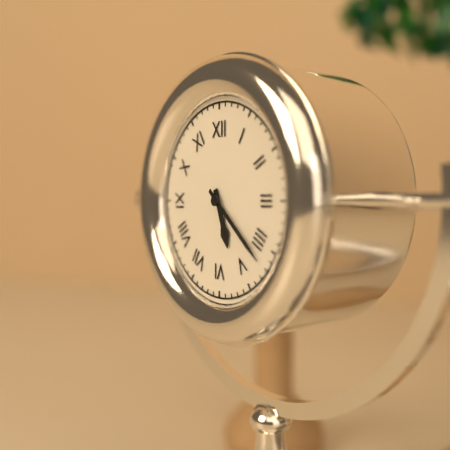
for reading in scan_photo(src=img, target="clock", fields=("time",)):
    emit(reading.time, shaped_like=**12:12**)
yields **5:22**
